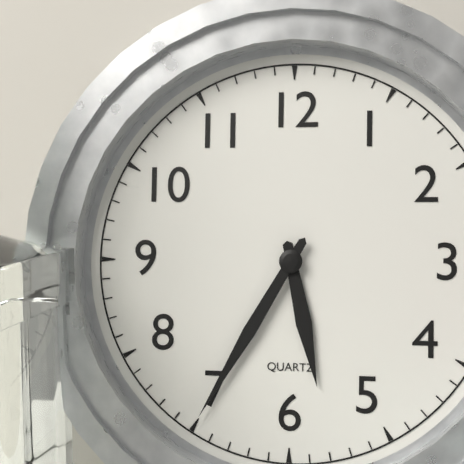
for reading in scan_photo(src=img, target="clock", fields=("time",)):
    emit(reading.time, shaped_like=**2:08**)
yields **5:35**
